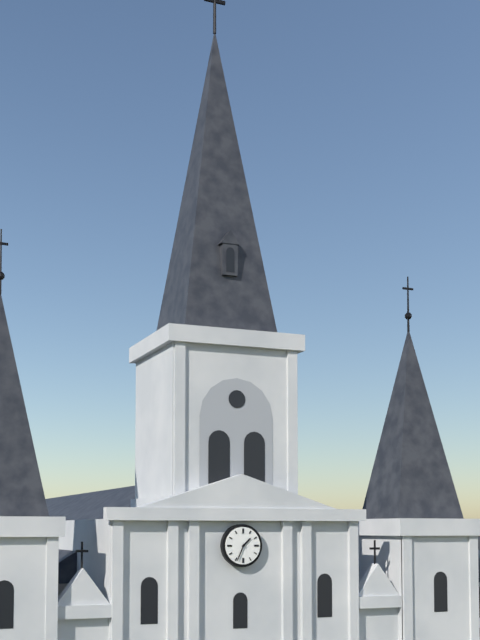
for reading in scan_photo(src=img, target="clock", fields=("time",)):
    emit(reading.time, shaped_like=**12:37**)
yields **1:34**
